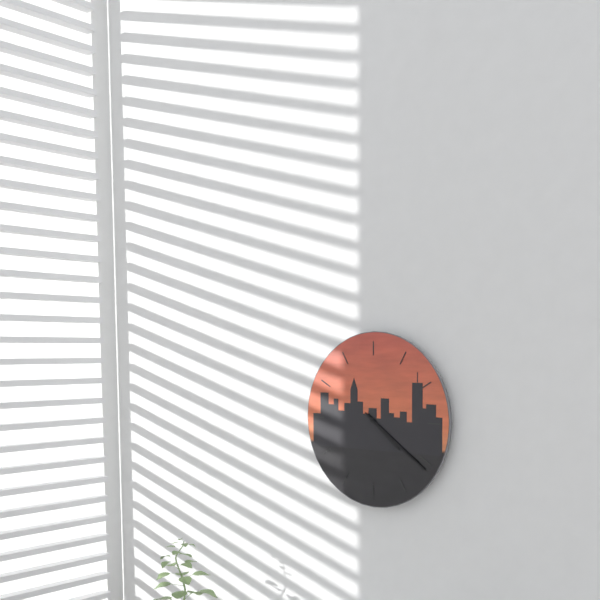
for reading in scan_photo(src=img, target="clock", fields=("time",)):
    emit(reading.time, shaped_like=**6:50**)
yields **4:21**
